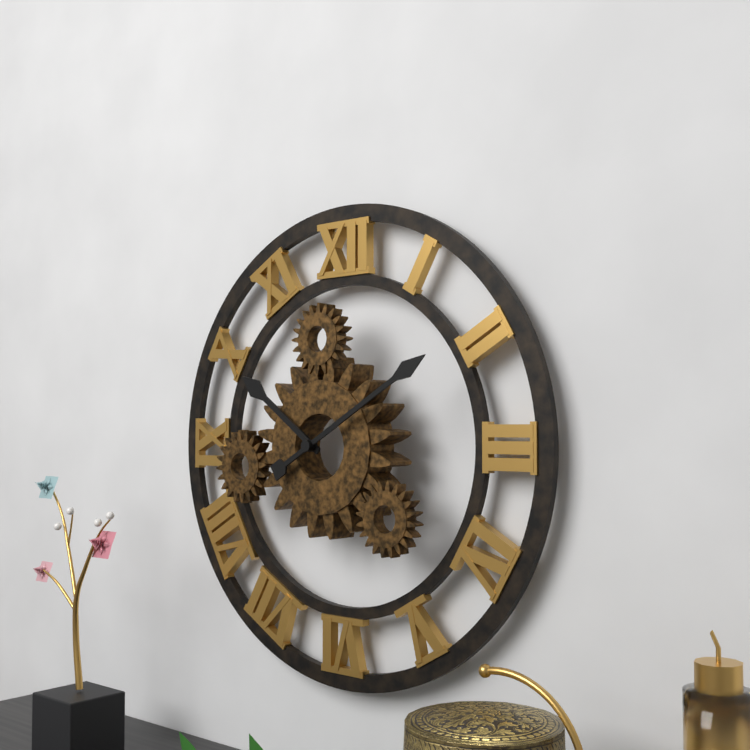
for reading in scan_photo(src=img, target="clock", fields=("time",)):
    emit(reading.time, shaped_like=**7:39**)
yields **10:10**
